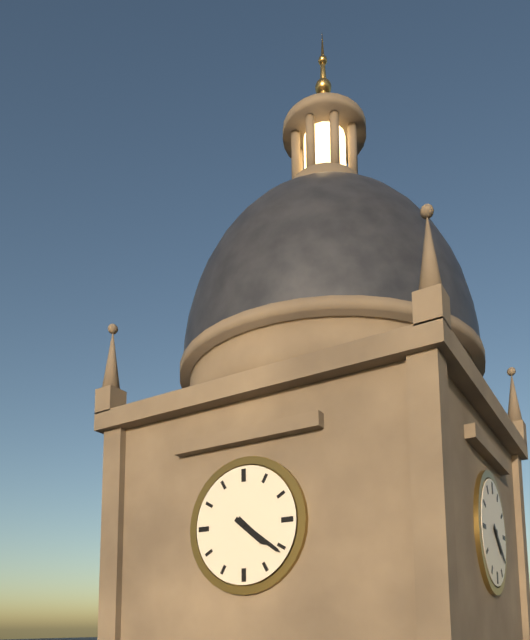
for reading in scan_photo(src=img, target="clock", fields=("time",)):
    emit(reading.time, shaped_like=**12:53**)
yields **4:21**
